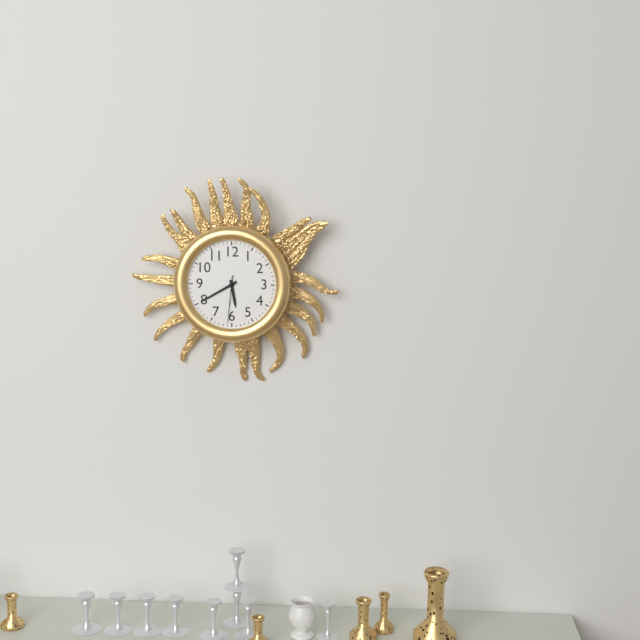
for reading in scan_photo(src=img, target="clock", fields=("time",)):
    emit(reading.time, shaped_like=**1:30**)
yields **5:40**
